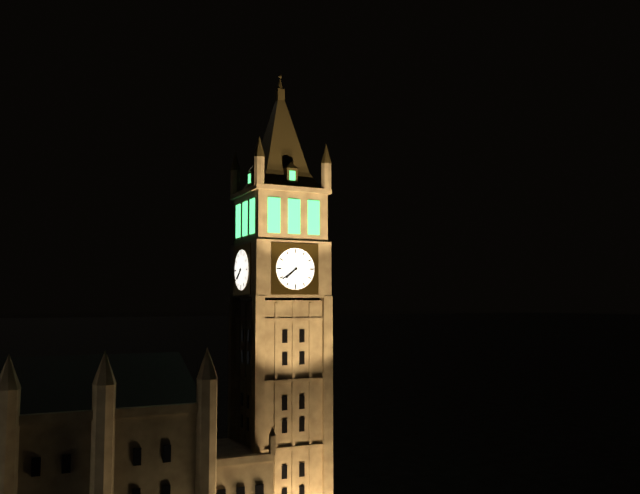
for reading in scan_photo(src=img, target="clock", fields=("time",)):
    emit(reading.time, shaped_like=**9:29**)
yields **7:39**
